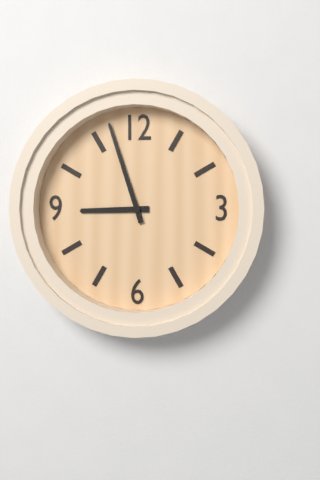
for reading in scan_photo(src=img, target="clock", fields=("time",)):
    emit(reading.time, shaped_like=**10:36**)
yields **8:57**
